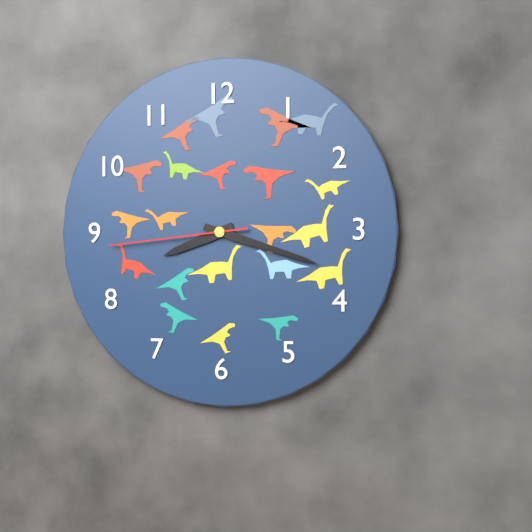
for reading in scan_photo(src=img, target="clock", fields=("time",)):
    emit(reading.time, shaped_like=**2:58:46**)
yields **8:18:44**
